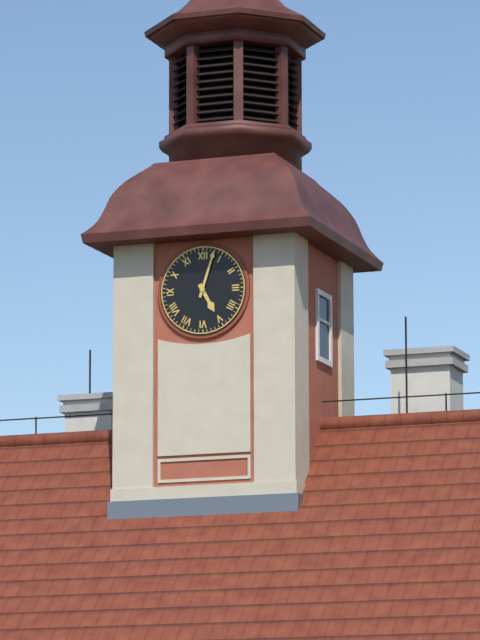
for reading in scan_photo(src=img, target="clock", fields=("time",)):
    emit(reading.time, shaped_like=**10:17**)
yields **5:03**
